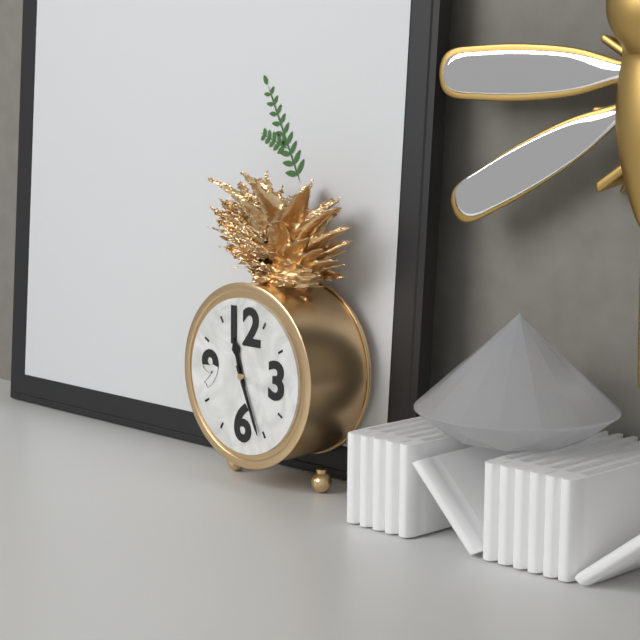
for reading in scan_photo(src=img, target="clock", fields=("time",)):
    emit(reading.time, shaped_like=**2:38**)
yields **11:26**
